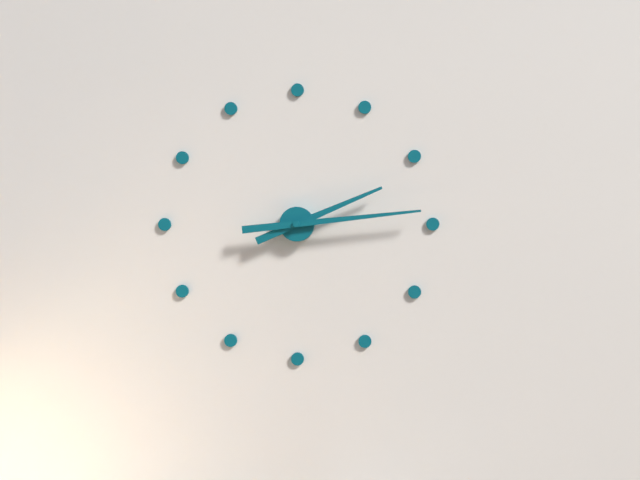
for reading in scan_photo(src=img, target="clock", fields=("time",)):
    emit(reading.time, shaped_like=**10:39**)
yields **2:14**
